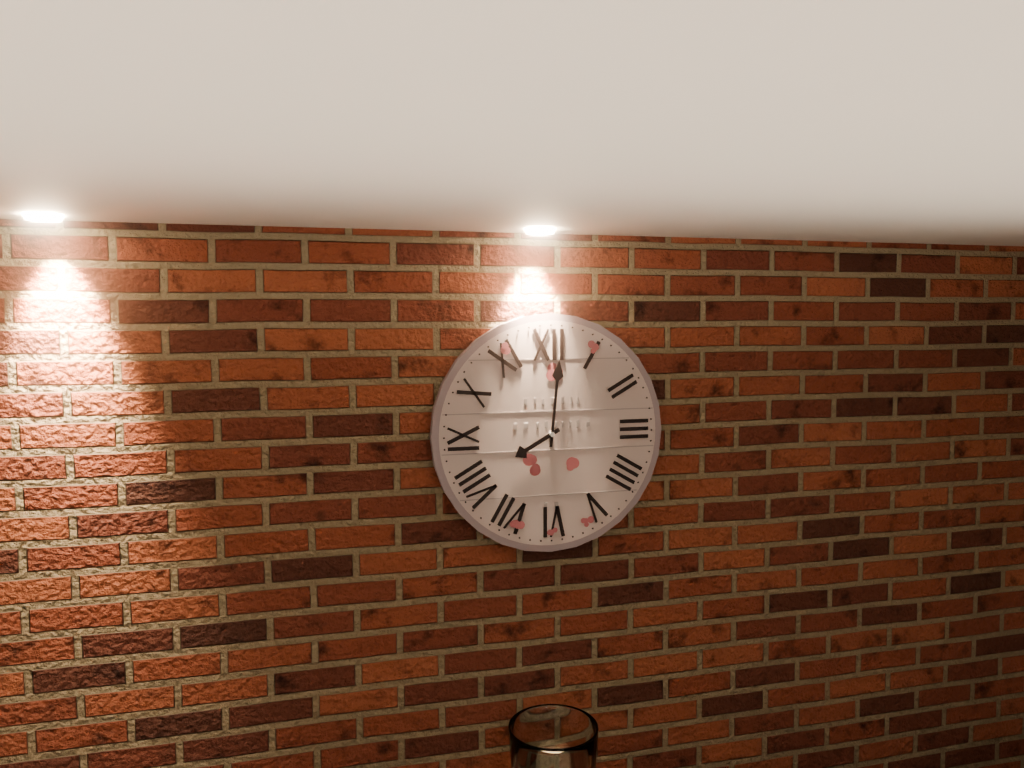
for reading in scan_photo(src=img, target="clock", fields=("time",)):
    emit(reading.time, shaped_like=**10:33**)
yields **8:01**
